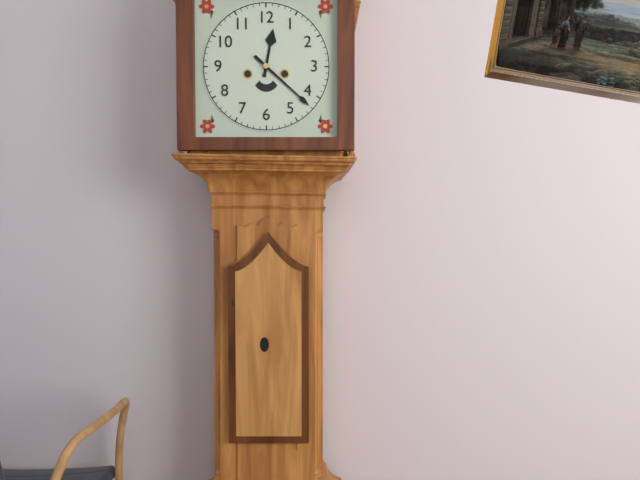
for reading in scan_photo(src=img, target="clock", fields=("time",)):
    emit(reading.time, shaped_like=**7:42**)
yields **12:22**
